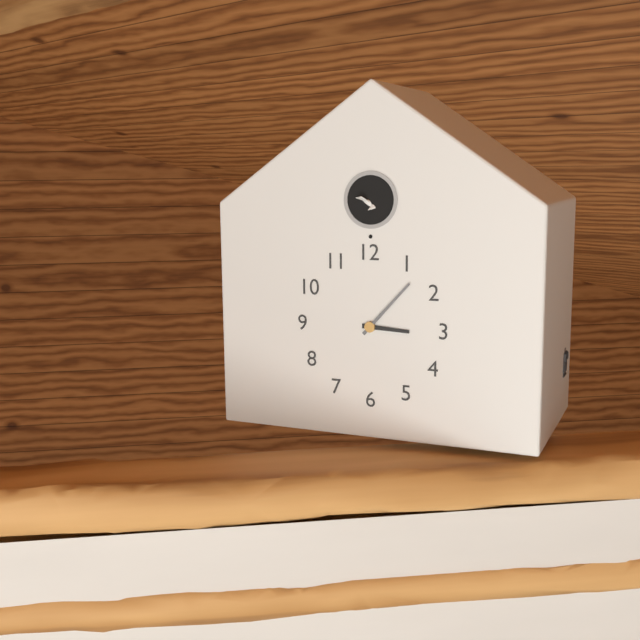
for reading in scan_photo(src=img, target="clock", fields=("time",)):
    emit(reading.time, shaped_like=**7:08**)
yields **3:07**
